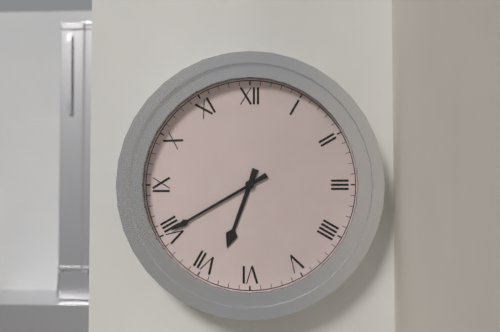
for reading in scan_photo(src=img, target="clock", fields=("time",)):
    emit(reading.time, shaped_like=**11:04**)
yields **6:40**
